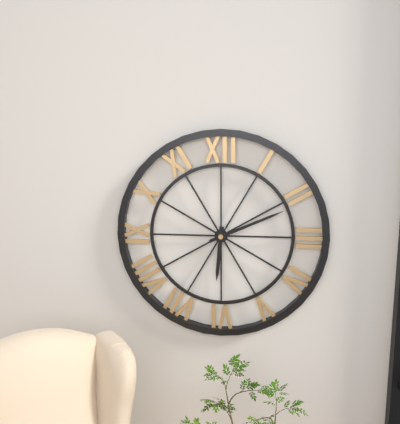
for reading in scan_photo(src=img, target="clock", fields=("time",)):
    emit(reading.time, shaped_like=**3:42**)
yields **6:11**
